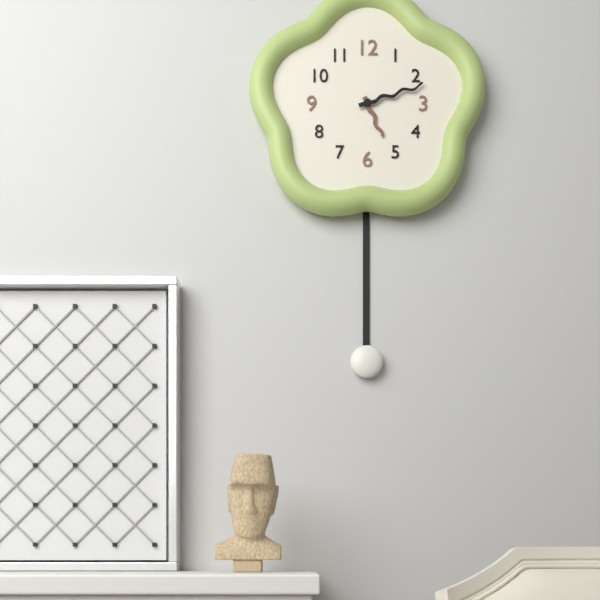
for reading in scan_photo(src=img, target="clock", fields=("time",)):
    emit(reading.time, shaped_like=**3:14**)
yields **5:12**
